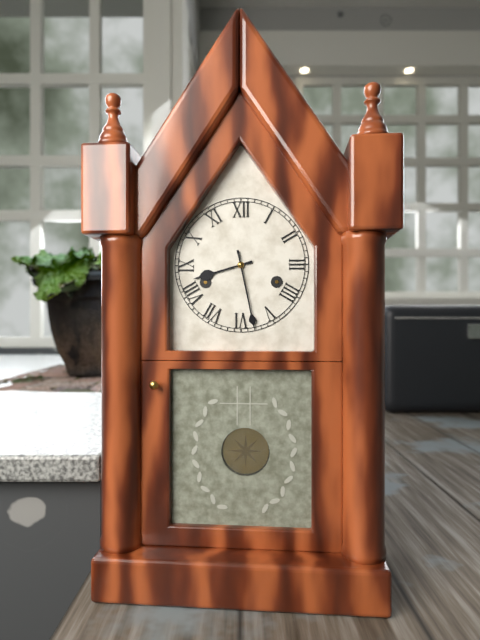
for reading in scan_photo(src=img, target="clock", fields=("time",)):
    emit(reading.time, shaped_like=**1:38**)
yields **8:28**
